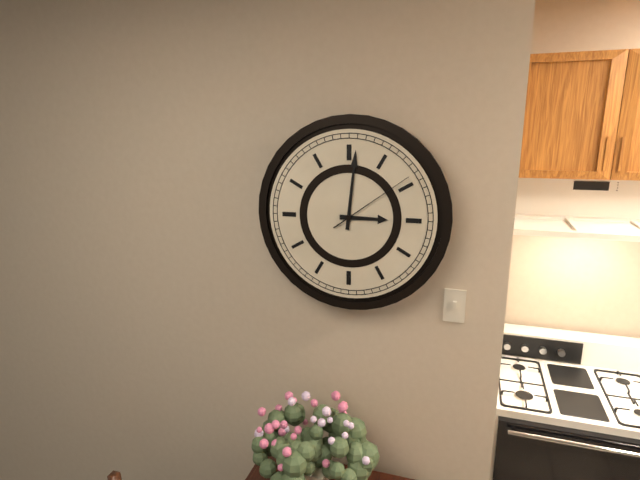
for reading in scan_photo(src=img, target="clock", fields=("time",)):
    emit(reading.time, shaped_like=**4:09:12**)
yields **3:01:09**
